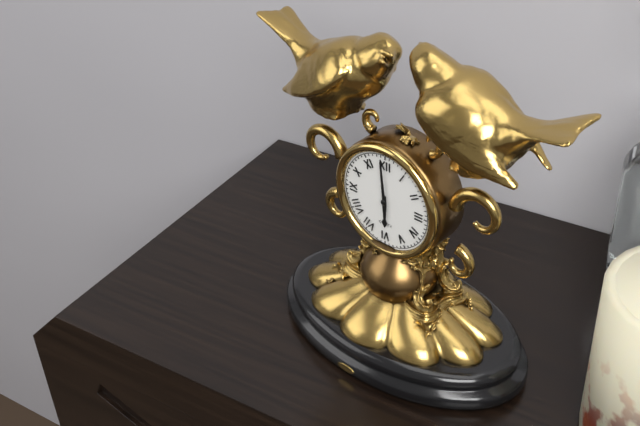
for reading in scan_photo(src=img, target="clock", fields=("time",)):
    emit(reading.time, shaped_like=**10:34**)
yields **5:59**
